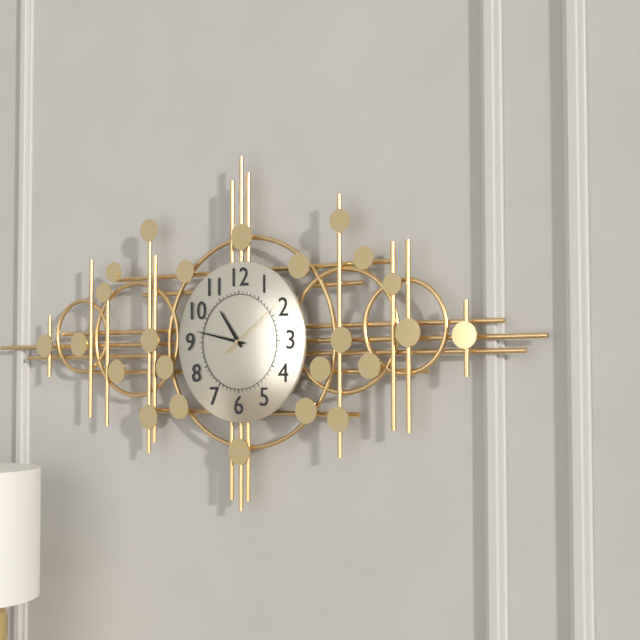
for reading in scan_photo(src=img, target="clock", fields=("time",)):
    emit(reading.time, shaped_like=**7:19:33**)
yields **10:47:09**
